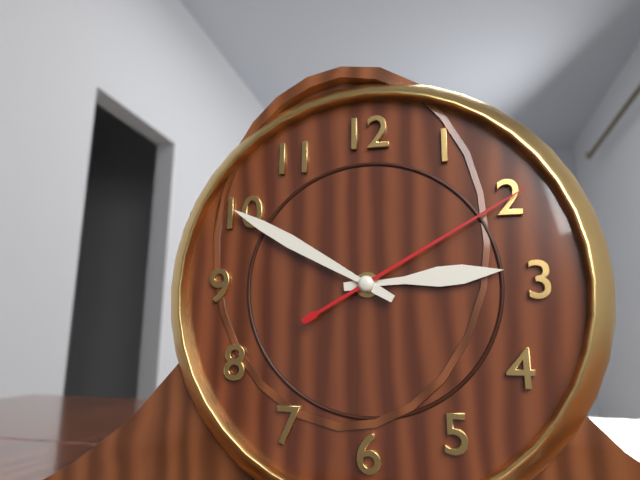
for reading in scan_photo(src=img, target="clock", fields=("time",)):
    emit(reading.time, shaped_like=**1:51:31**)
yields **2:50:10**
